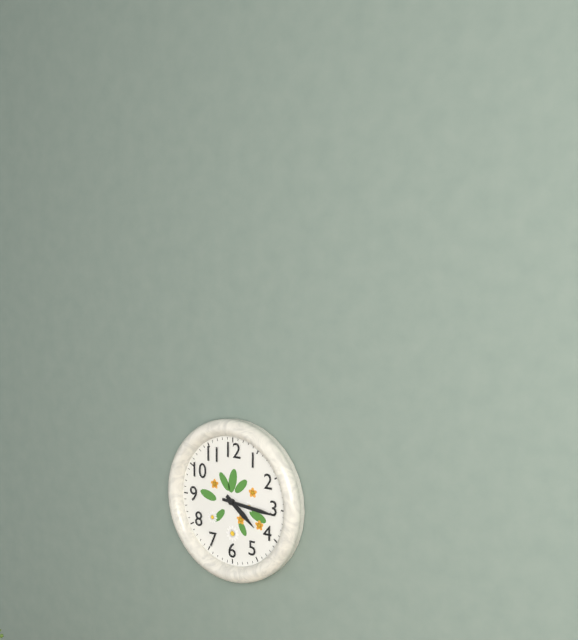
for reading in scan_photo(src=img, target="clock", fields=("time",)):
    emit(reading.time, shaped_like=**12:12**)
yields **4:16**
